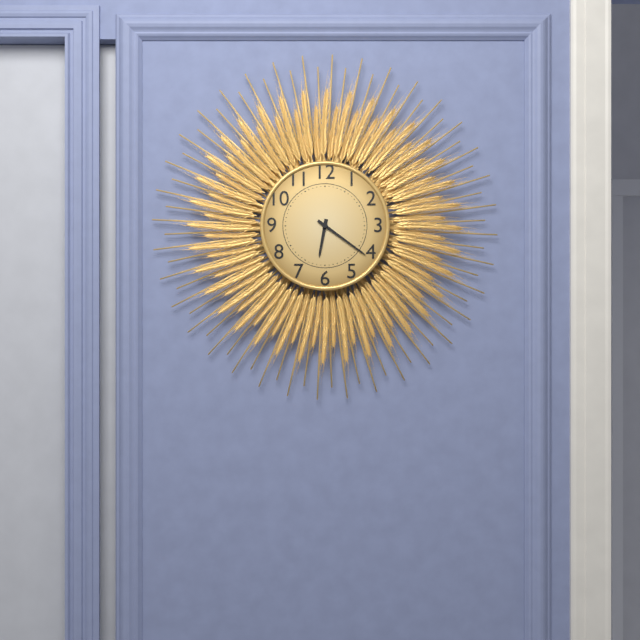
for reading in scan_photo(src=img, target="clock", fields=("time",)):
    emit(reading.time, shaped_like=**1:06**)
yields **6:21**
